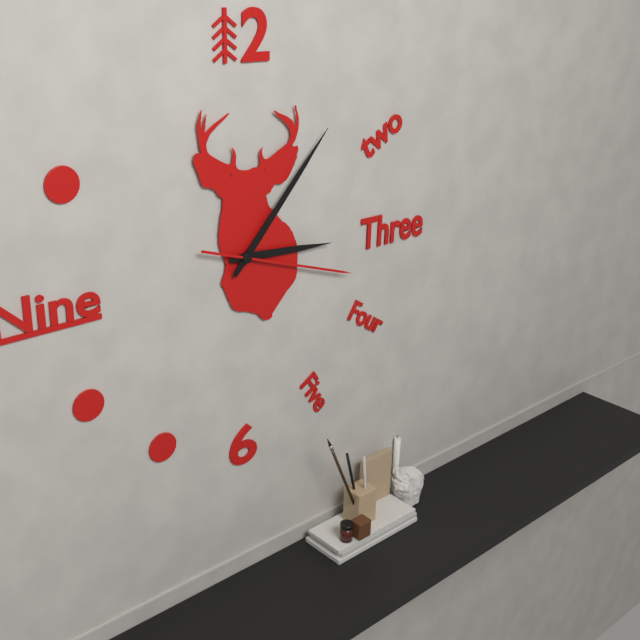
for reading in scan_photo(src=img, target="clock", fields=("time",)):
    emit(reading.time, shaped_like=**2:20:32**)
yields **3:07:18**
